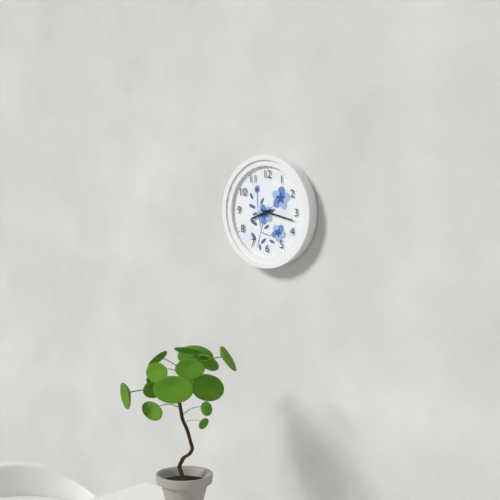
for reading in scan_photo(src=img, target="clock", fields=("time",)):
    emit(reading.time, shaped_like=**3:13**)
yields **8:17**
